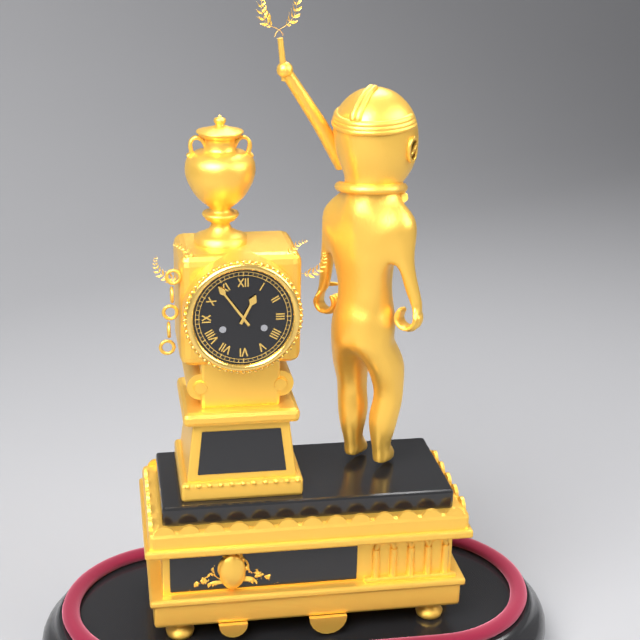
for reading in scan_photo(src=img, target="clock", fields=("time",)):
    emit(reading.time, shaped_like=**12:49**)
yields **12:54**
